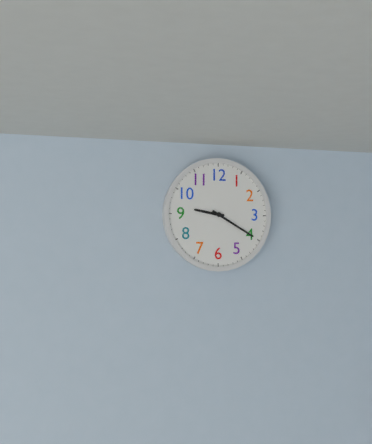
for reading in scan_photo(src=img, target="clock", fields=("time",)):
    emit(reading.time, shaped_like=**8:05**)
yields **9:20**
